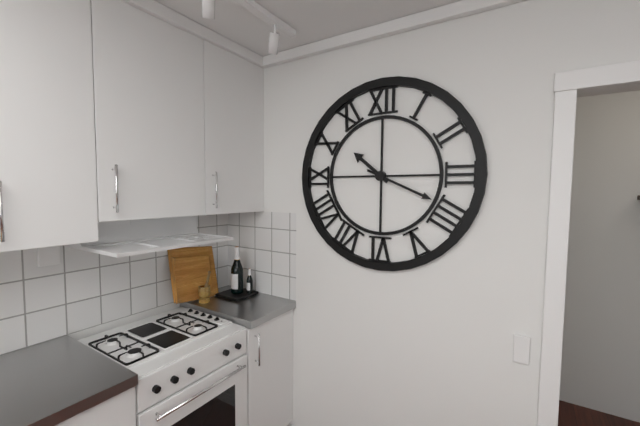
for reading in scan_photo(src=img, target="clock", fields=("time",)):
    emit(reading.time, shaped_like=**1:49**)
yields **10:19**
